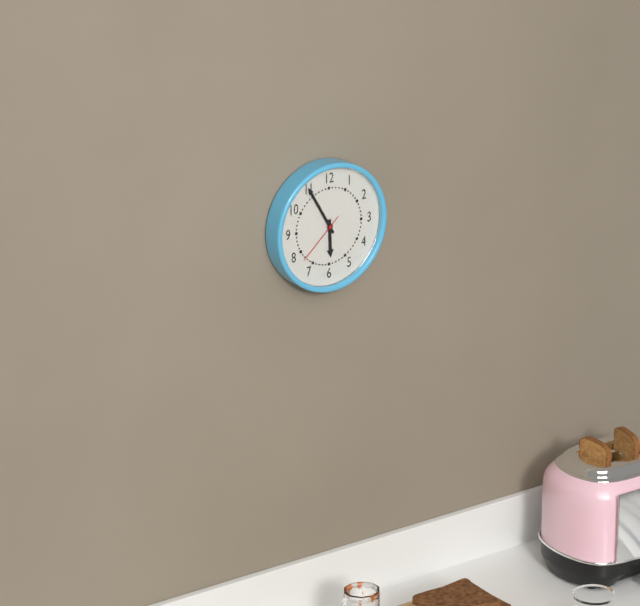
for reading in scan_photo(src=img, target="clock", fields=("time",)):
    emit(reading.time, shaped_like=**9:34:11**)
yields **5:55:38**
